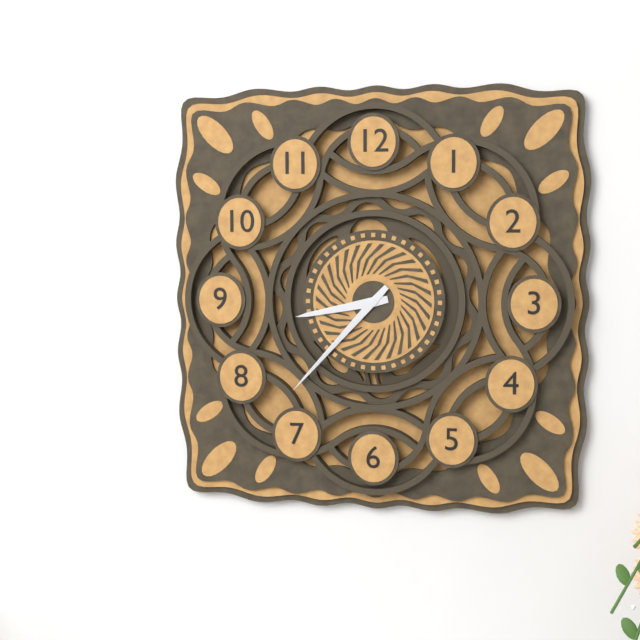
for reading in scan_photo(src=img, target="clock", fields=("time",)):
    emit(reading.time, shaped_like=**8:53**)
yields **8:37**
